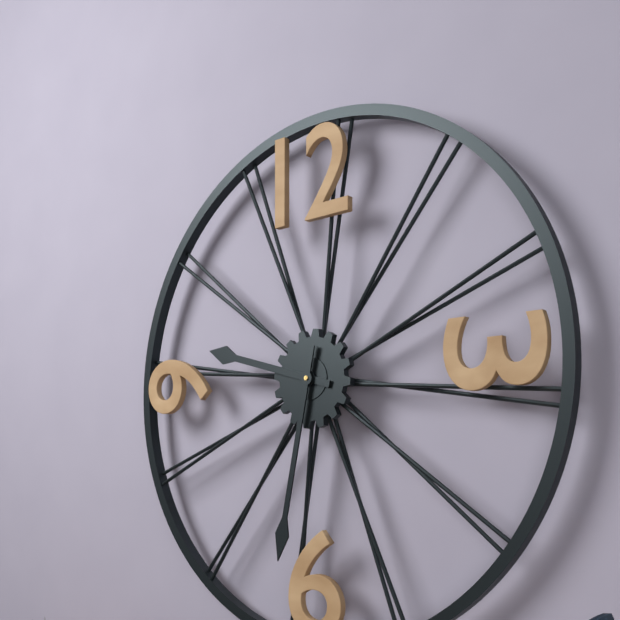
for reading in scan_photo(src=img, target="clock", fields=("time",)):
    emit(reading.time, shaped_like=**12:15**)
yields **9:32**
